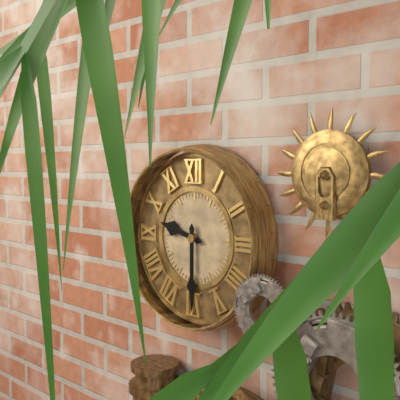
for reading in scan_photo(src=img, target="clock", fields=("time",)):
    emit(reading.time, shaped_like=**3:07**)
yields **9:30**
